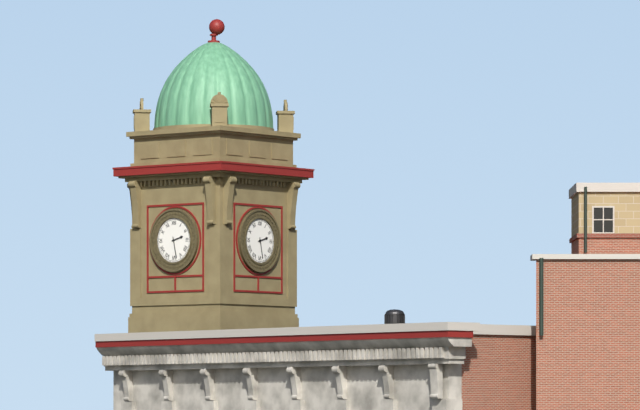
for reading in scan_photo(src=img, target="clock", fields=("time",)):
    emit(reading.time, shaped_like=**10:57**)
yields **2:28**
